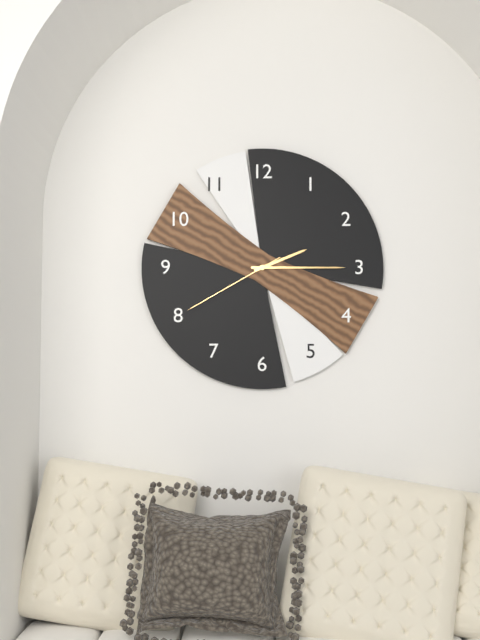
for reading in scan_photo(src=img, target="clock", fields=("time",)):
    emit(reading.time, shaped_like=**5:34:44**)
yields **2:15:40**
